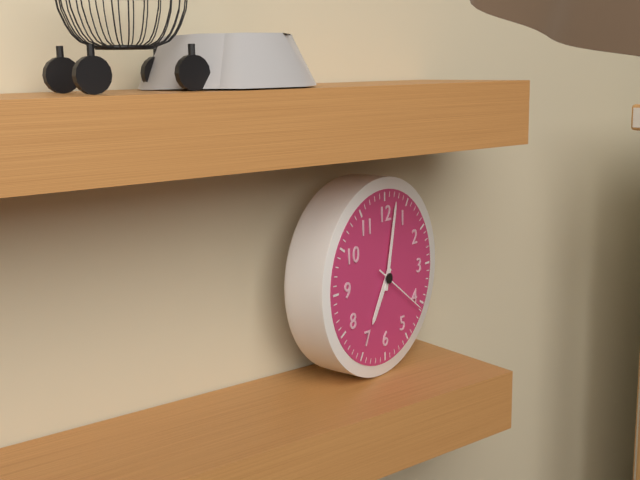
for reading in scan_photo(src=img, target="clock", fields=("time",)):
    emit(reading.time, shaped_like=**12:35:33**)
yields **7:02:21**
